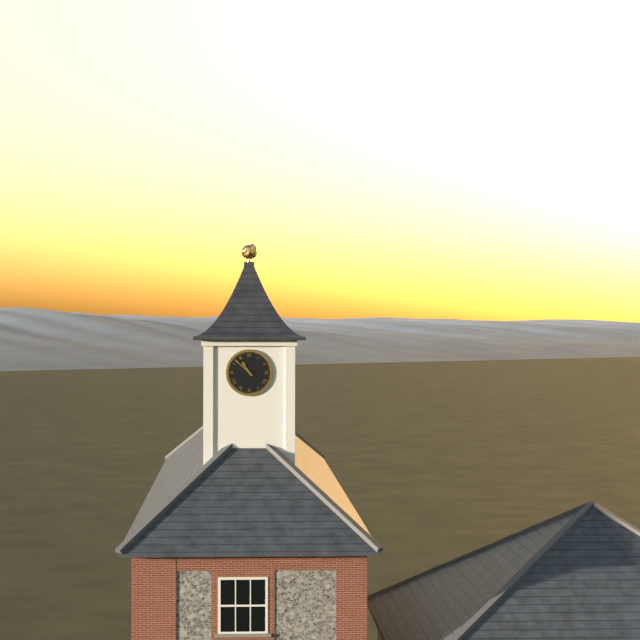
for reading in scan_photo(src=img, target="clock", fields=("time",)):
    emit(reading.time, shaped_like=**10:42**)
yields **10:52**
